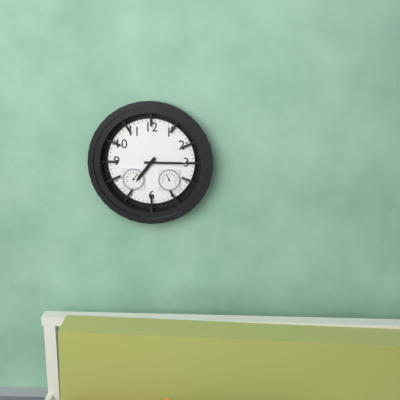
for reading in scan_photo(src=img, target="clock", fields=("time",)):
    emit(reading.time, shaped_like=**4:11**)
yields **7:15**
